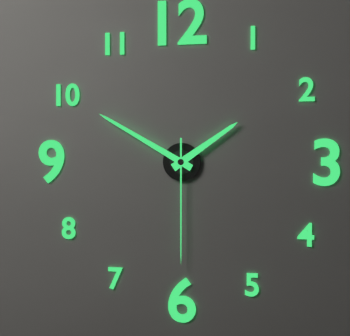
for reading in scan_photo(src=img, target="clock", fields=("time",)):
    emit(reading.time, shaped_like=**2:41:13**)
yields **1:50:30**
